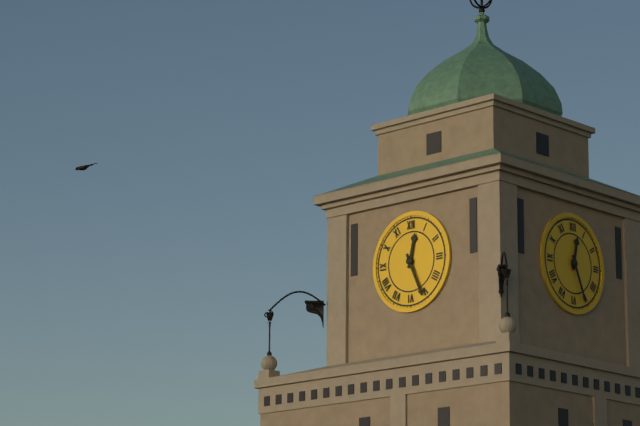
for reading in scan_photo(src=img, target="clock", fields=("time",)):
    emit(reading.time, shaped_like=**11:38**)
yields **12:26**
